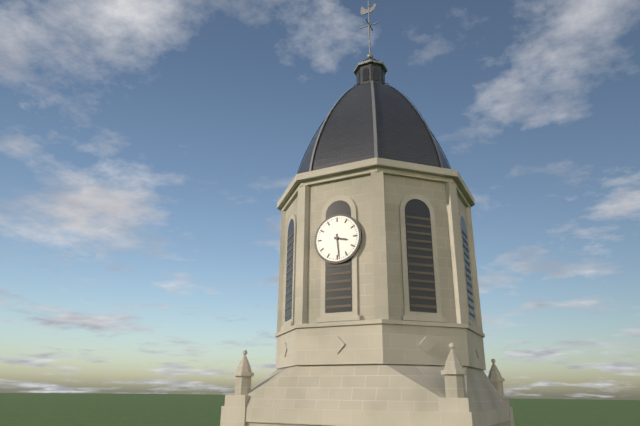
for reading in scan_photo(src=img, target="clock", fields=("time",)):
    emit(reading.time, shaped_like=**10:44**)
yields **3:29**
